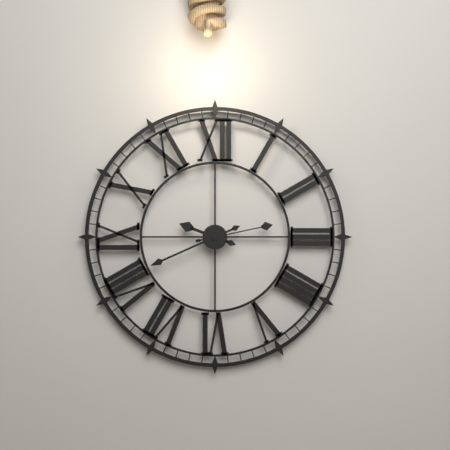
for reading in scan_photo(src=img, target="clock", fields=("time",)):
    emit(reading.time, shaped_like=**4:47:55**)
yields **9:41:13**
